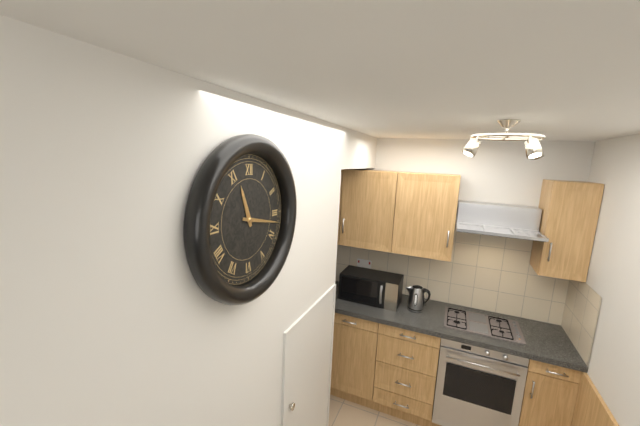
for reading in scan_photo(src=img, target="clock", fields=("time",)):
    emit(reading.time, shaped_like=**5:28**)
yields **11:17**
